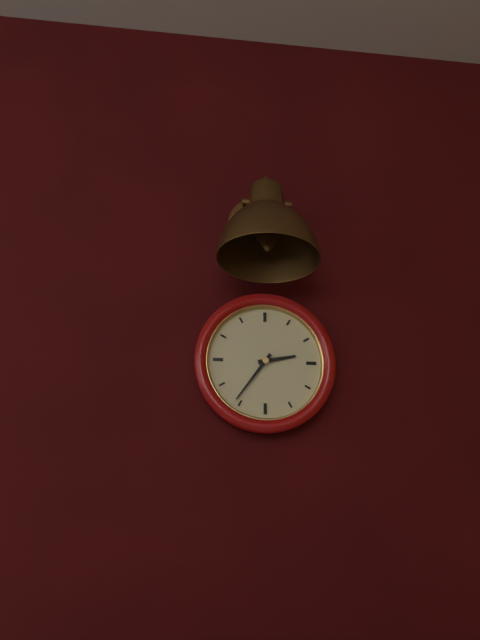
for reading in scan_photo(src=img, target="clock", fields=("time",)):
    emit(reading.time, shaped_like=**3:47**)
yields **2:36**
